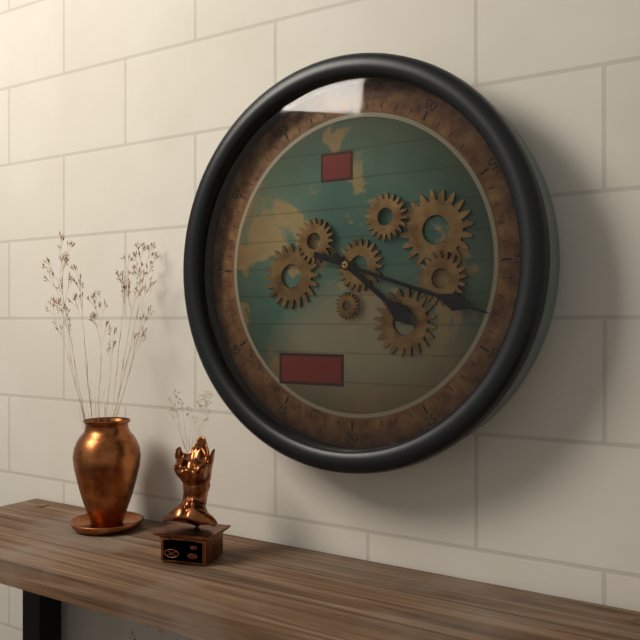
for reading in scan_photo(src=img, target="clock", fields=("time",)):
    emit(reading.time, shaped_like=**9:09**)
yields **4:18**
